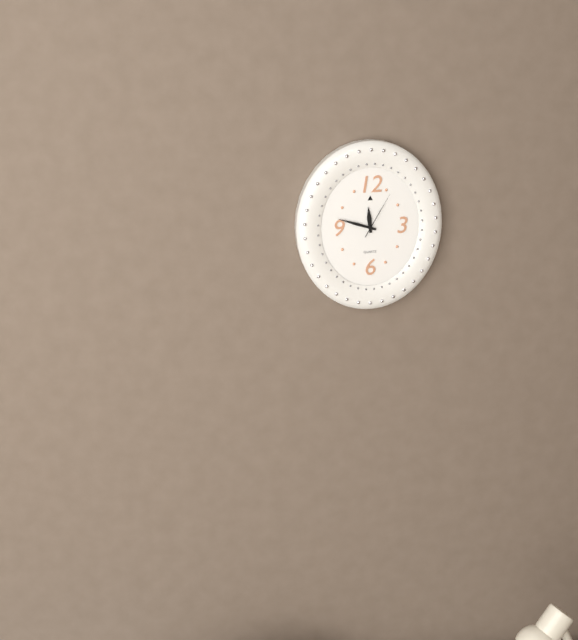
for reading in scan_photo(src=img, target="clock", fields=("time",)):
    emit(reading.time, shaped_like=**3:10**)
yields **11:48**
